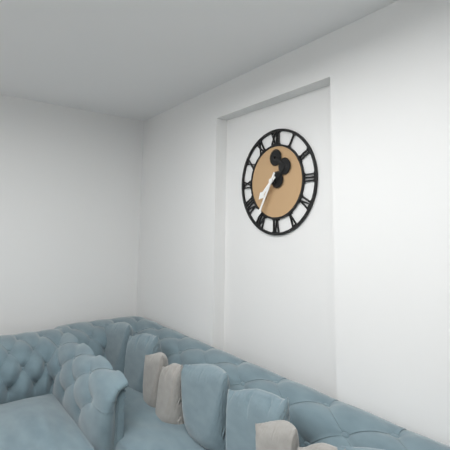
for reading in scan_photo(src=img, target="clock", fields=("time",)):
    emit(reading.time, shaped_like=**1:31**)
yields **7:35**
